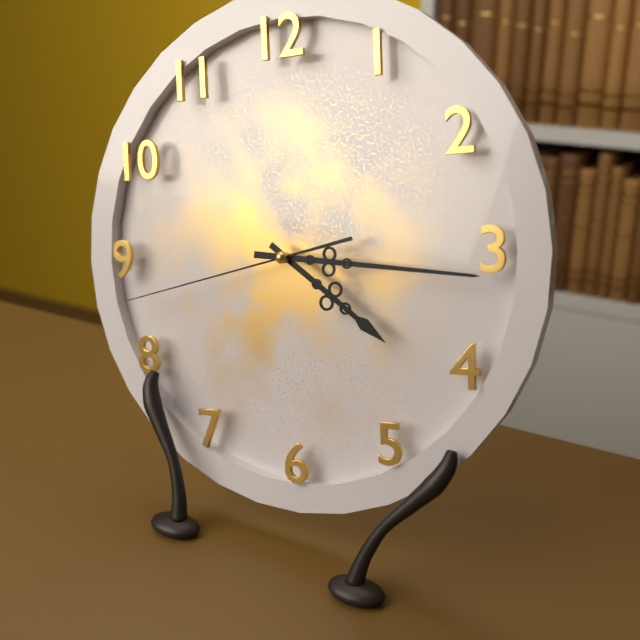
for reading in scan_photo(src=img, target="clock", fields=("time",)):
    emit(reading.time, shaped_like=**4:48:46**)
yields **4:16:43**
